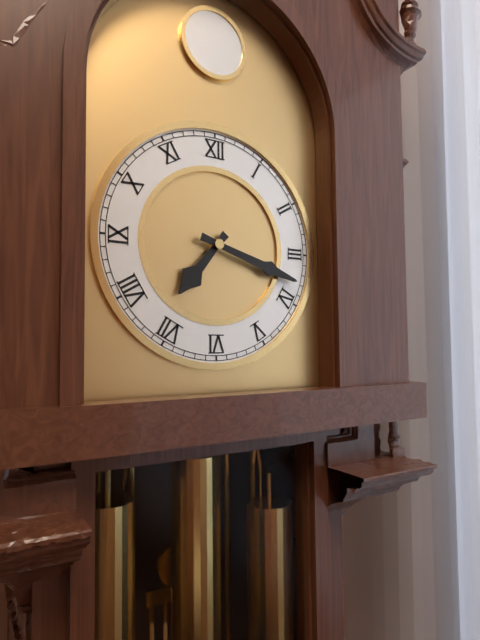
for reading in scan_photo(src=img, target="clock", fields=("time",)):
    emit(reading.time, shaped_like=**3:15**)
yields **7:18**
